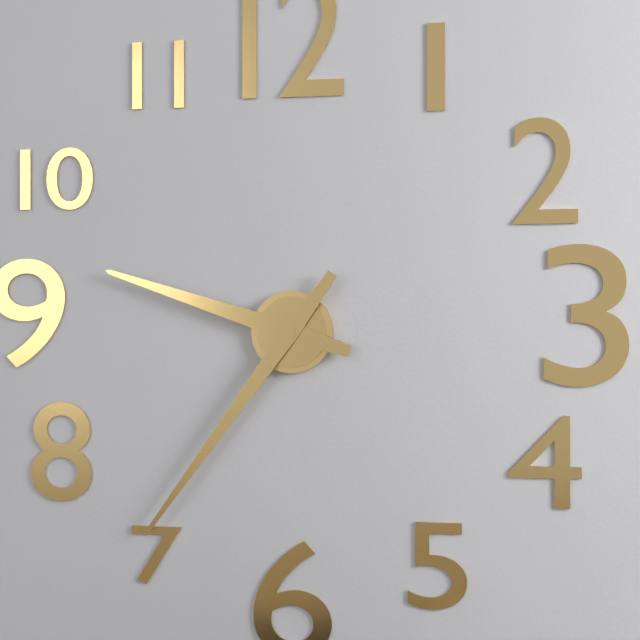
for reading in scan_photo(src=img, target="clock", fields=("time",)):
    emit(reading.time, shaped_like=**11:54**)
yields **9:36**
